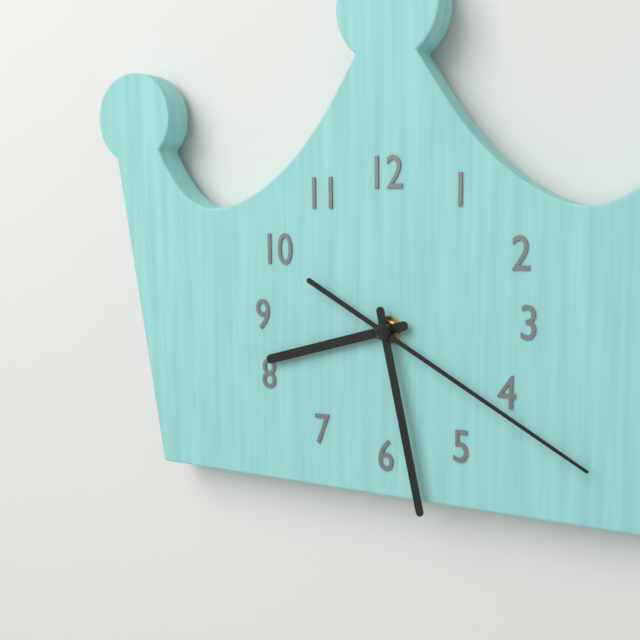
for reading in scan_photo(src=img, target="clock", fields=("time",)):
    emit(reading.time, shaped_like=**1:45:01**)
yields **8:28:20**
